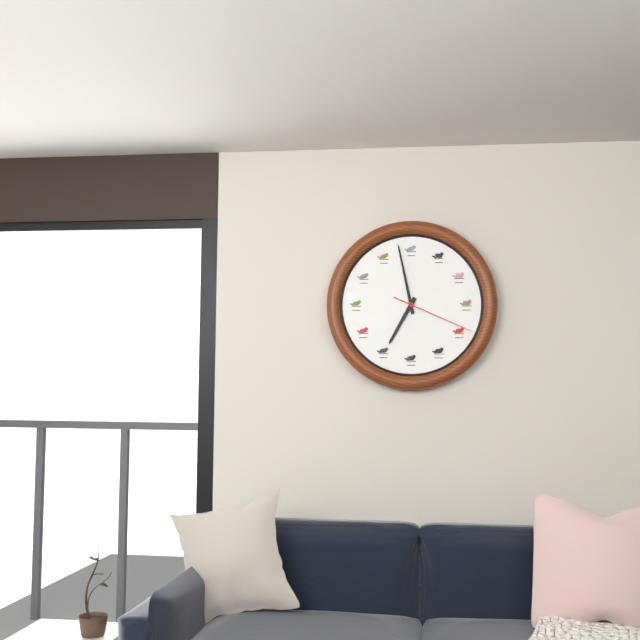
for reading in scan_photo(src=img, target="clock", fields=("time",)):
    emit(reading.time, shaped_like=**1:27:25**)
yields **6:58:19**
